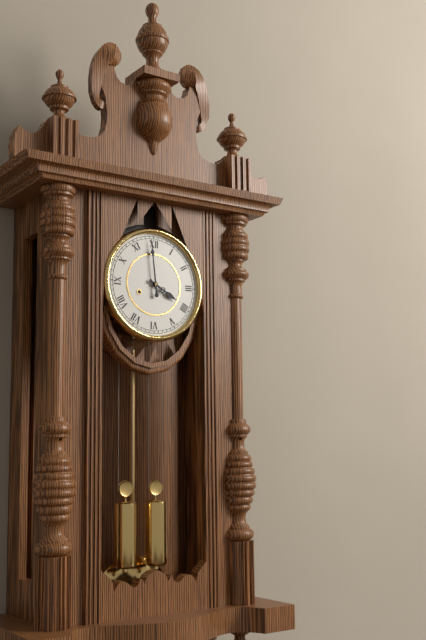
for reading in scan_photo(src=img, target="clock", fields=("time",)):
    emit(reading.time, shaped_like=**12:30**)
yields **3:59**
